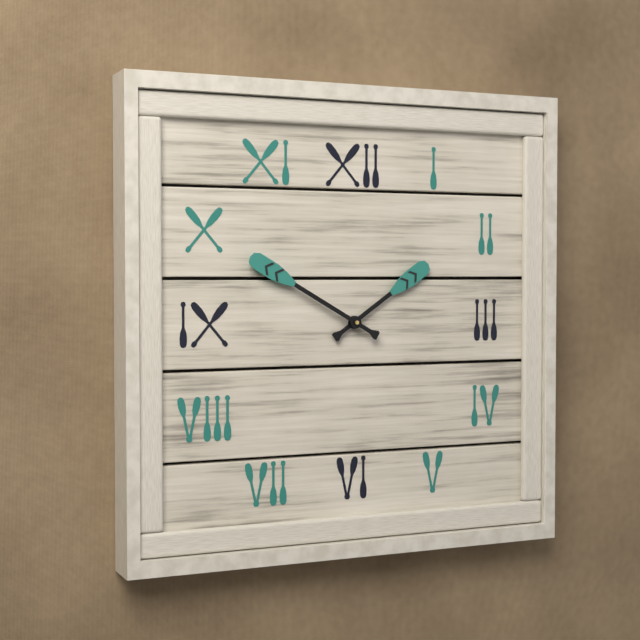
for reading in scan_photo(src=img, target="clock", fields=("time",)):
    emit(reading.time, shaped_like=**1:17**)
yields **1:50**
